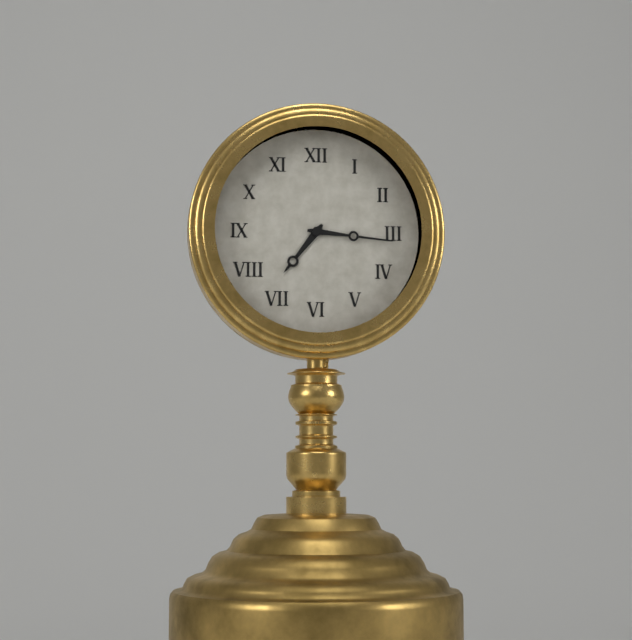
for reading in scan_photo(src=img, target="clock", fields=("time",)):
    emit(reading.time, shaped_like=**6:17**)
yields **7:16**
